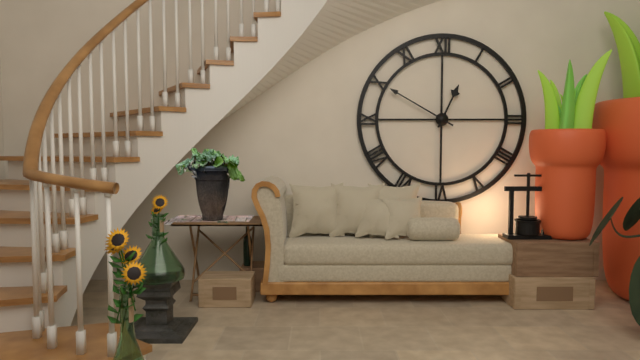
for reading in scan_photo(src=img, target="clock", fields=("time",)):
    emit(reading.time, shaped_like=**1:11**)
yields **12:50**
